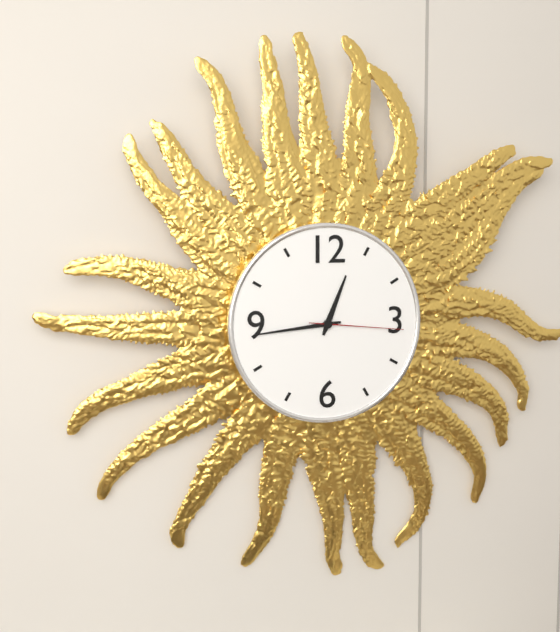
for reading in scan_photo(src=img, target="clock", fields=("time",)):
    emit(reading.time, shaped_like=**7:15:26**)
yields **12:44:16**
